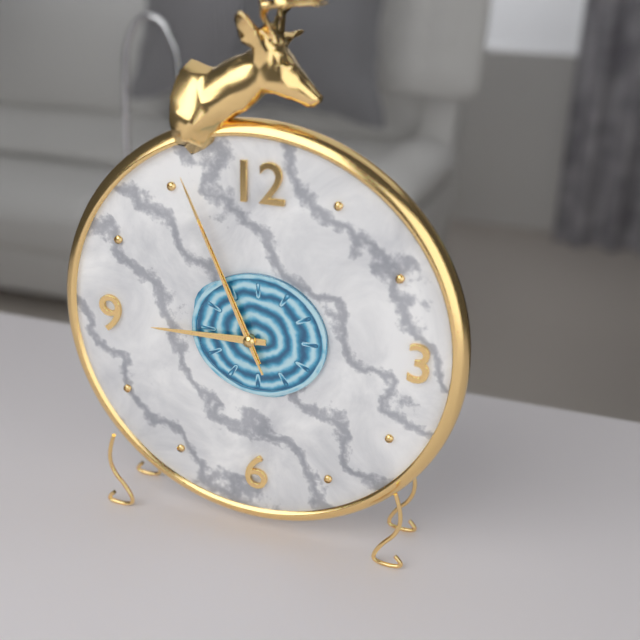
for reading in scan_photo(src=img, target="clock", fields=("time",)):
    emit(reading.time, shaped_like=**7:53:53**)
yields **8:56:56**
